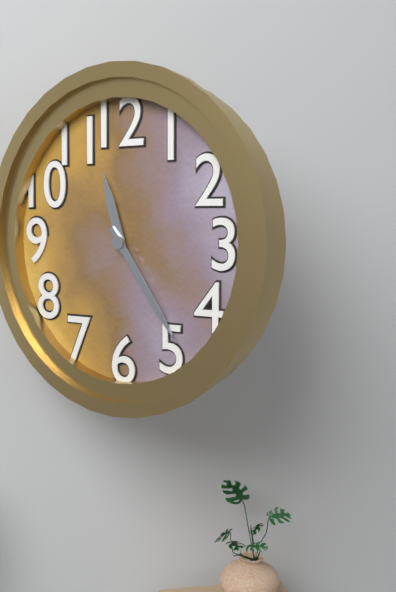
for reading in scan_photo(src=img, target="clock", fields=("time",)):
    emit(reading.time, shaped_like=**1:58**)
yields **11:24**
